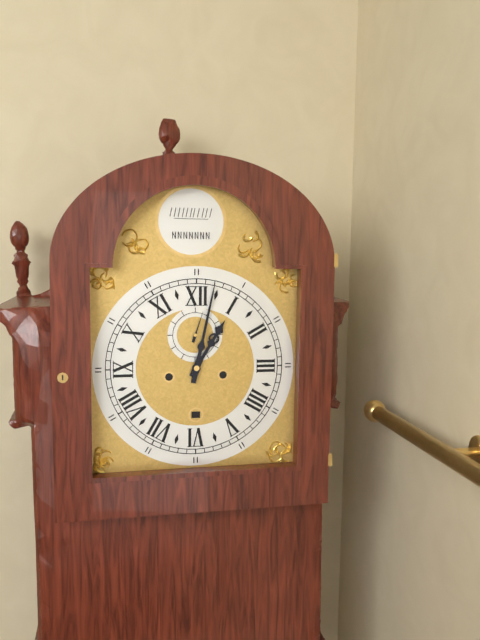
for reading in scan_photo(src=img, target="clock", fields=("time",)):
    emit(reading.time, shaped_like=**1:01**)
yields **1:02**
